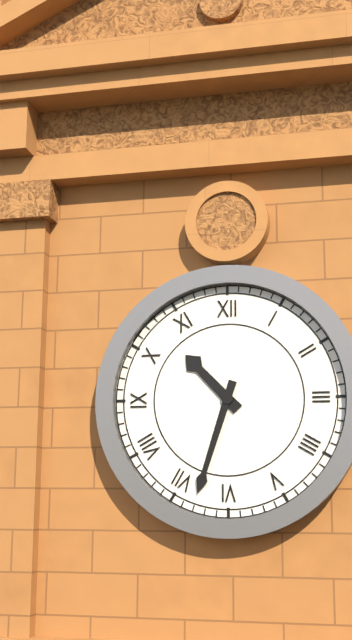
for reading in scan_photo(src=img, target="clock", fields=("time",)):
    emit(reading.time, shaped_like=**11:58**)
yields **10:33**
